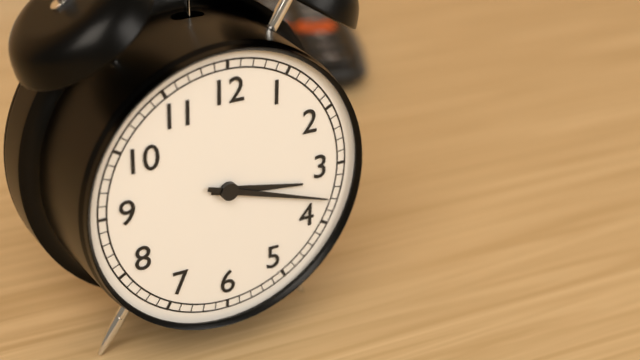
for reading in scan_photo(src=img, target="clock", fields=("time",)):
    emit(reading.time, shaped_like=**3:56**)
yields **3:18**
